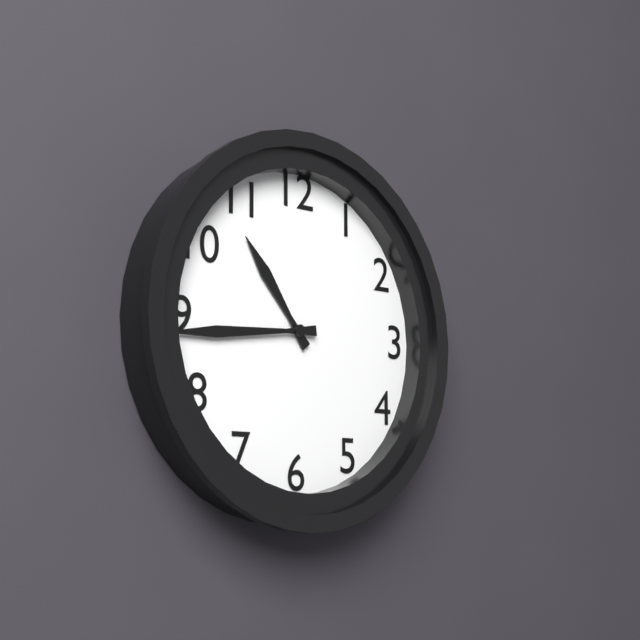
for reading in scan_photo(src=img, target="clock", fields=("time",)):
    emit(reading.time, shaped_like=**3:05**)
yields **10:44**
